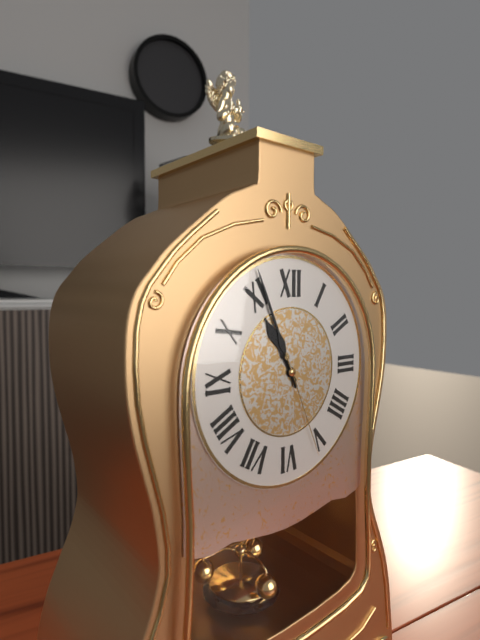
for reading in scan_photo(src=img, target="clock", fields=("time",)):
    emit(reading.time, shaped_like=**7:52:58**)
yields **10:56:26**
